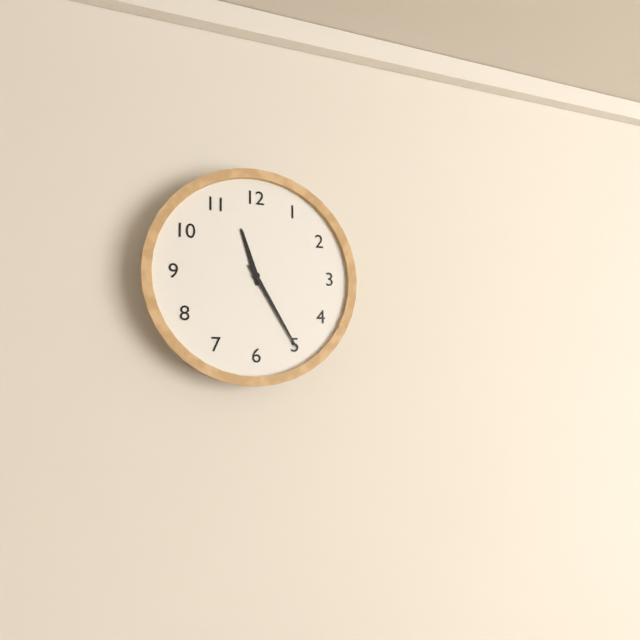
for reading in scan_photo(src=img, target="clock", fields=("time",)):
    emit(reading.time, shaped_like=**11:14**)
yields **11:25**
